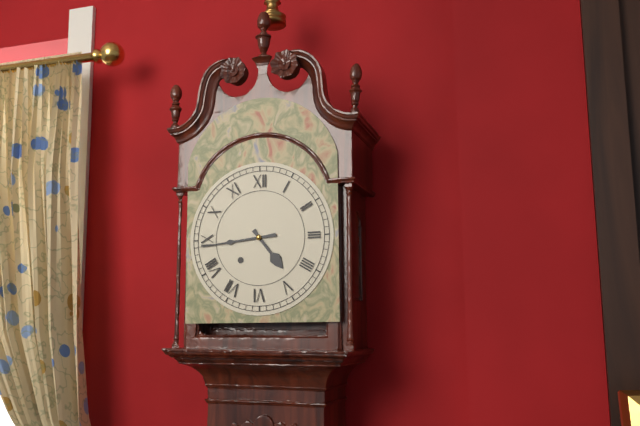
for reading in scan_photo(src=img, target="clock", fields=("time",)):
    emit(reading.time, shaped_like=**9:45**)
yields **4:44**
